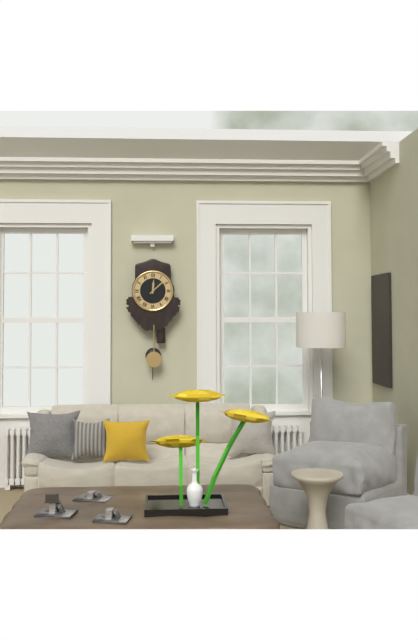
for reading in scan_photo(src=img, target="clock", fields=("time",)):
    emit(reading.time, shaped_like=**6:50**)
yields **12:08**
